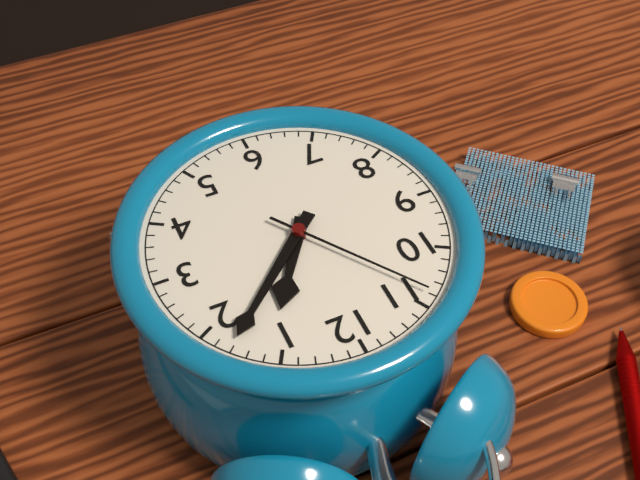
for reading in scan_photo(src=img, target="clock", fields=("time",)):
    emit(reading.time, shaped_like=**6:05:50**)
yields **1:08:54**
